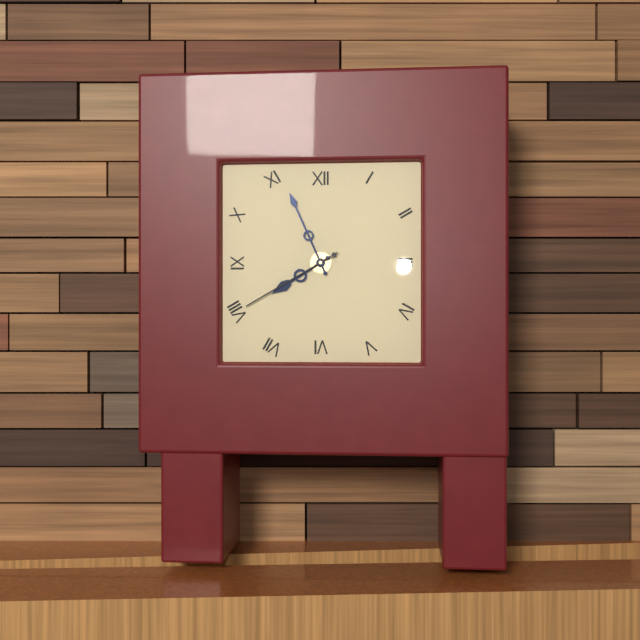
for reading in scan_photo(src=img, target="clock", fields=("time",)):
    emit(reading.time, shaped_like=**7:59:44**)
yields **7:56:40**
